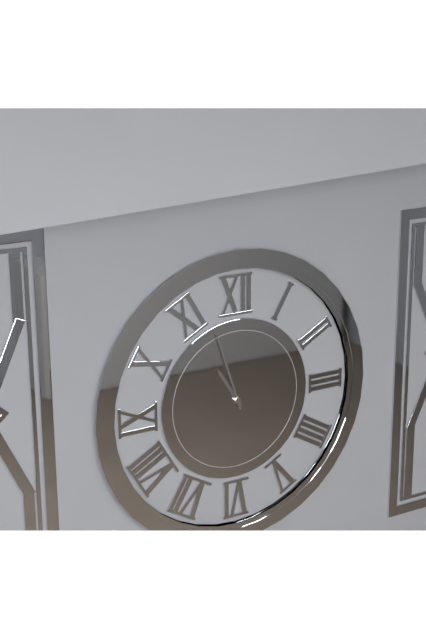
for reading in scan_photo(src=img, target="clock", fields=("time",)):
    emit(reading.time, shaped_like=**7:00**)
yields **10:57**
